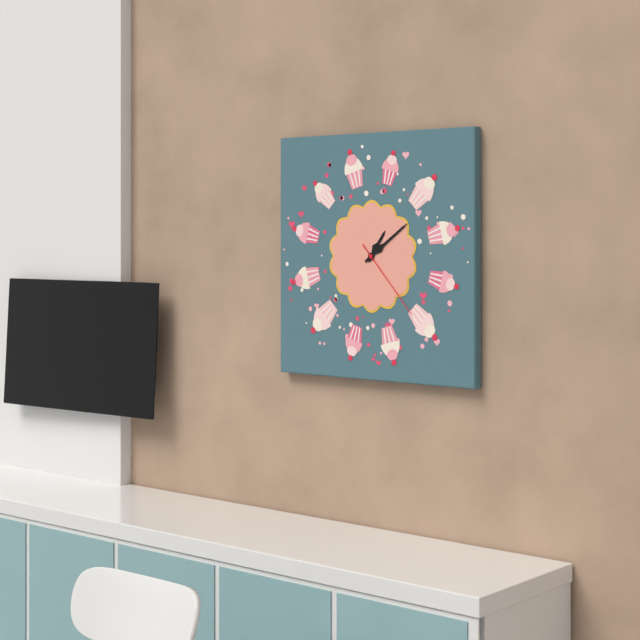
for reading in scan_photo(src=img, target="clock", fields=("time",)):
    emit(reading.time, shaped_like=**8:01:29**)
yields **1:09:23**
